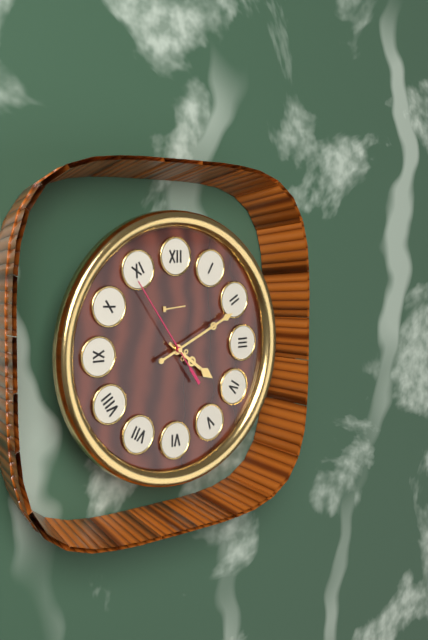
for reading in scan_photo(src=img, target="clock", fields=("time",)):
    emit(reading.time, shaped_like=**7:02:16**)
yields **4:11:54**
